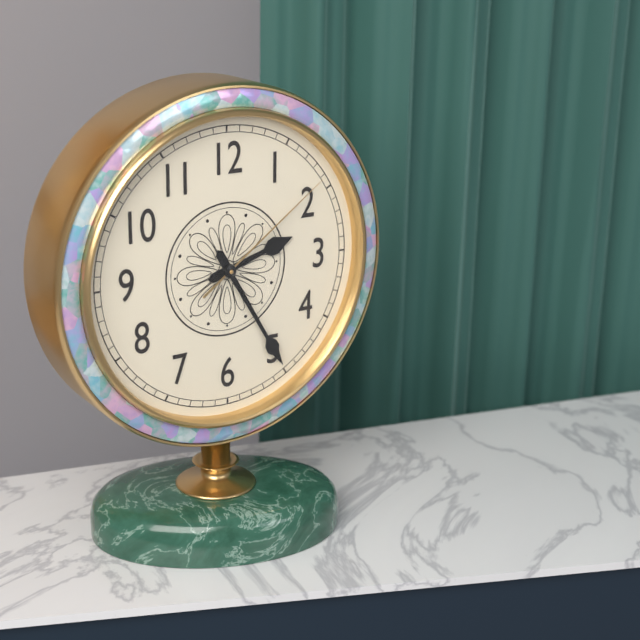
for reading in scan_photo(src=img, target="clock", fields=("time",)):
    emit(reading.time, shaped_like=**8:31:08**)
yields **2:25:09**
